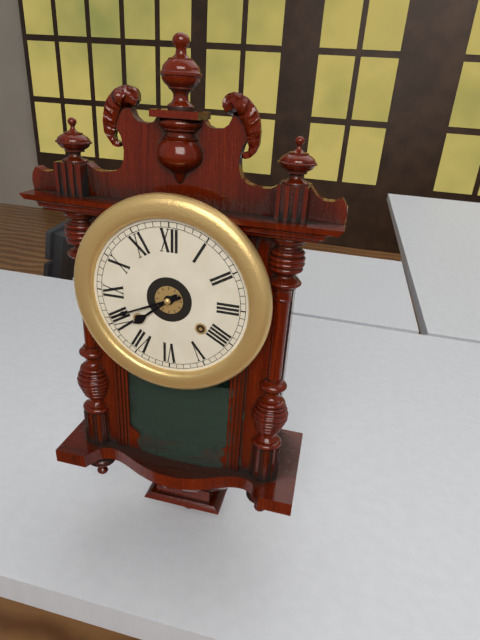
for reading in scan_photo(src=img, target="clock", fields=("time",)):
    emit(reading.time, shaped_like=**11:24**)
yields **7:41**
